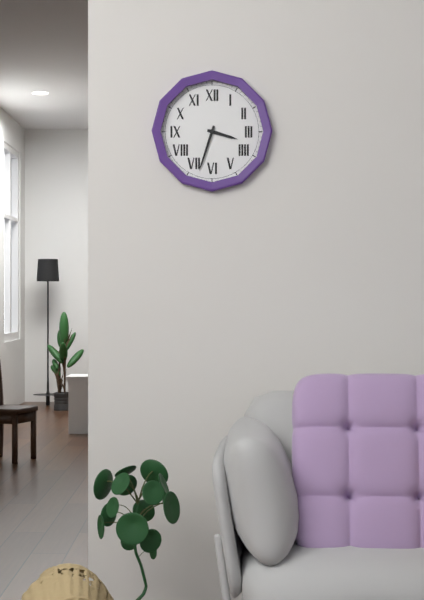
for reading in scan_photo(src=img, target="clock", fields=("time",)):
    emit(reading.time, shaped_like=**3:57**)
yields **3:33**
